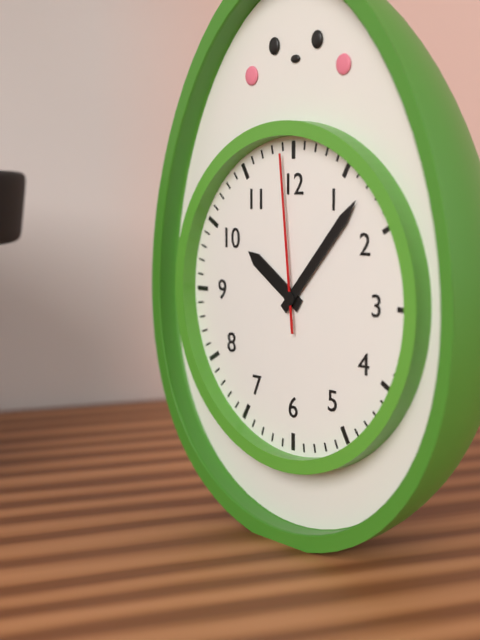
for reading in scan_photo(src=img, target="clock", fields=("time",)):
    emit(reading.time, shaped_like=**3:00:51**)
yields **10:07:59**
